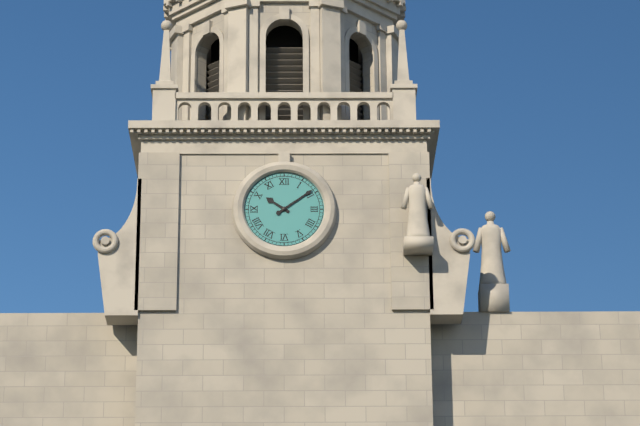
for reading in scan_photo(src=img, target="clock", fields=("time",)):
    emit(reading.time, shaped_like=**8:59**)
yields **10:09**
